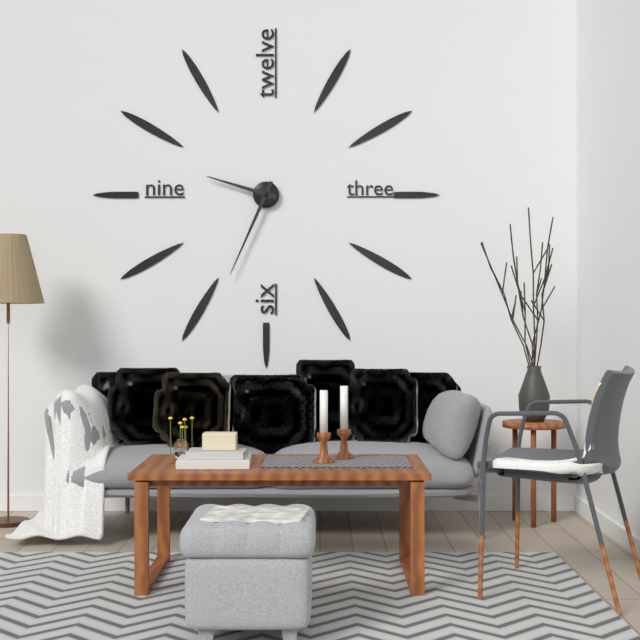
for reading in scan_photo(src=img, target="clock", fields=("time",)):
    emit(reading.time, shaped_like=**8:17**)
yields **9:34**
